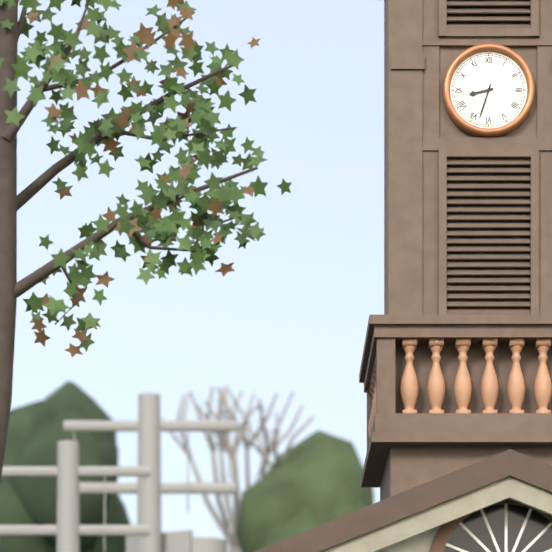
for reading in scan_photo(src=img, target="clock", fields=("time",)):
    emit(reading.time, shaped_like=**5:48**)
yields **8:33**
